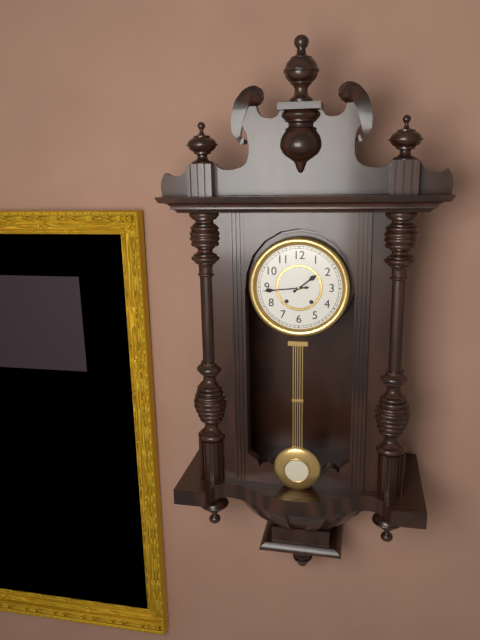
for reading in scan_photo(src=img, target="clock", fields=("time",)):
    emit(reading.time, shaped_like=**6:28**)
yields **1:44**
